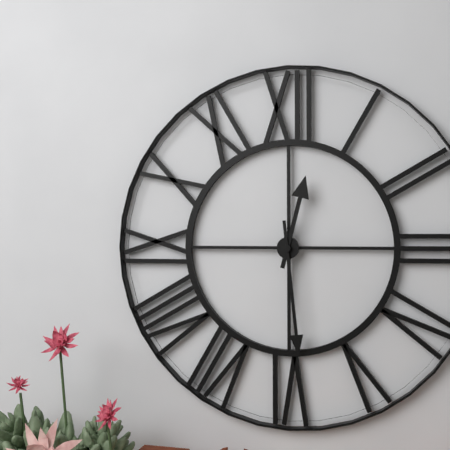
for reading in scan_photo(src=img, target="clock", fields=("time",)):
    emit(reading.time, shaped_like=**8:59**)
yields **12:29**
